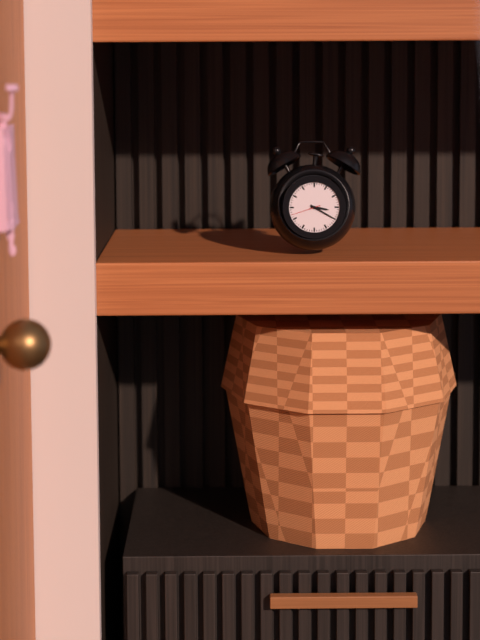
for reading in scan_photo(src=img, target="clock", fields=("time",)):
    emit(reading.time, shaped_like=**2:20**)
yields **3:20**
